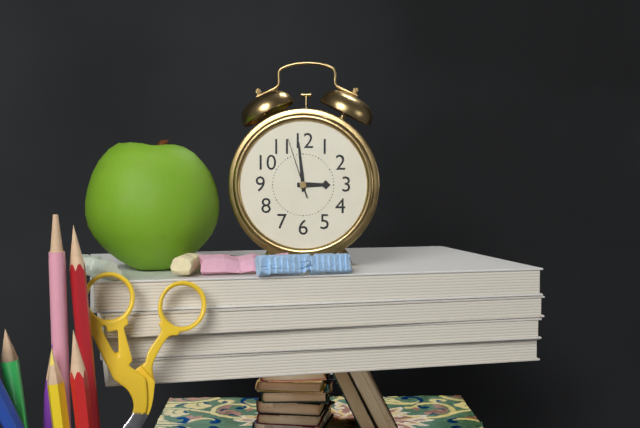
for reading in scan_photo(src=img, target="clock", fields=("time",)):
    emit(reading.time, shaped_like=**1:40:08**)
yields **2:59:57**
